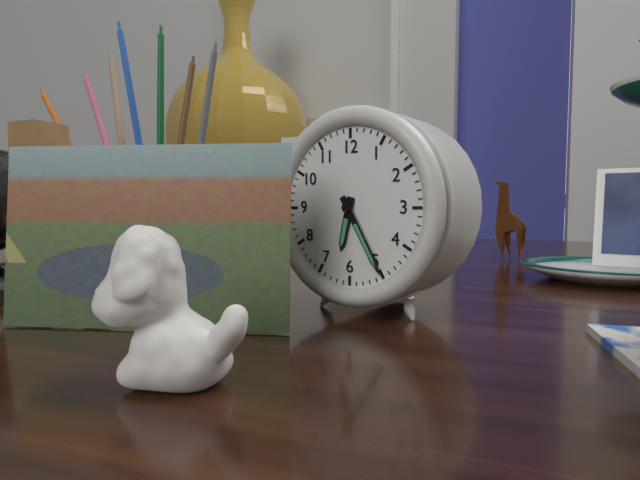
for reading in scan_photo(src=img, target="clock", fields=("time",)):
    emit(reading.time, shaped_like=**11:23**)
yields **6:25**
